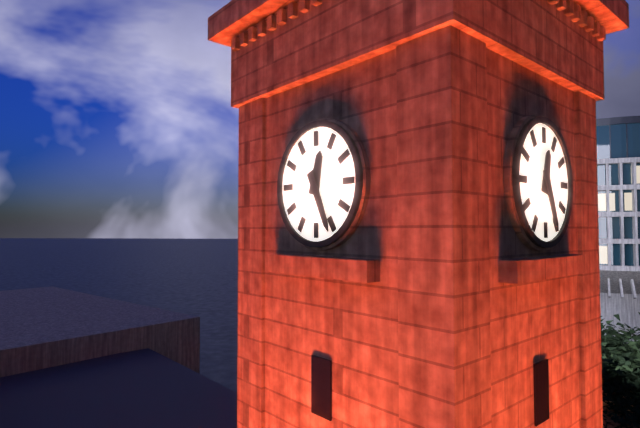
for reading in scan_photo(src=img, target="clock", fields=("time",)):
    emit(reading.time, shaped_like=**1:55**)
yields **12:26**
